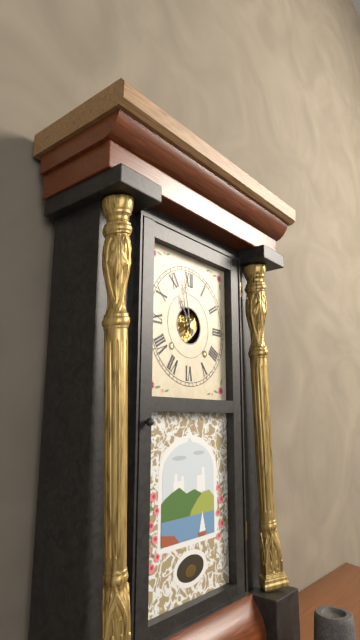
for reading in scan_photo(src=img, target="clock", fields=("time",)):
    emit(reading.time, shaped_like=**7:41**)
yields **10:58**
